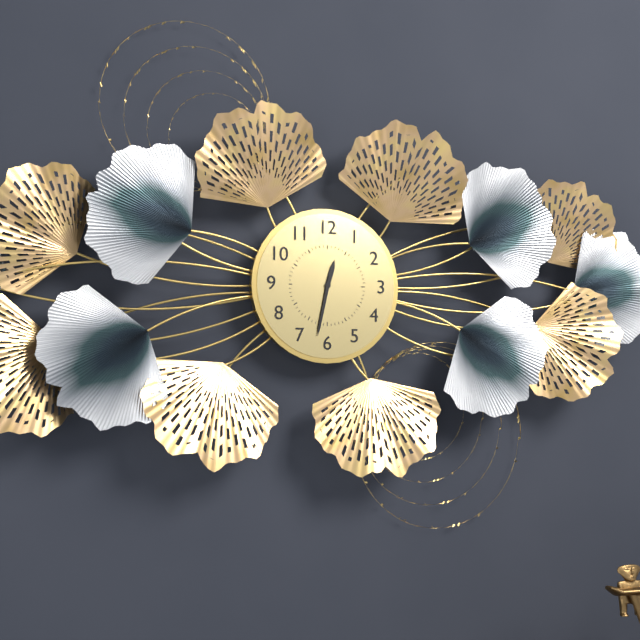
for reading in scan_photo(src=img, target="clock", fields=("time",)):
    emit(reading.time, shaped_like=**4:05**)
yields **12:32**
